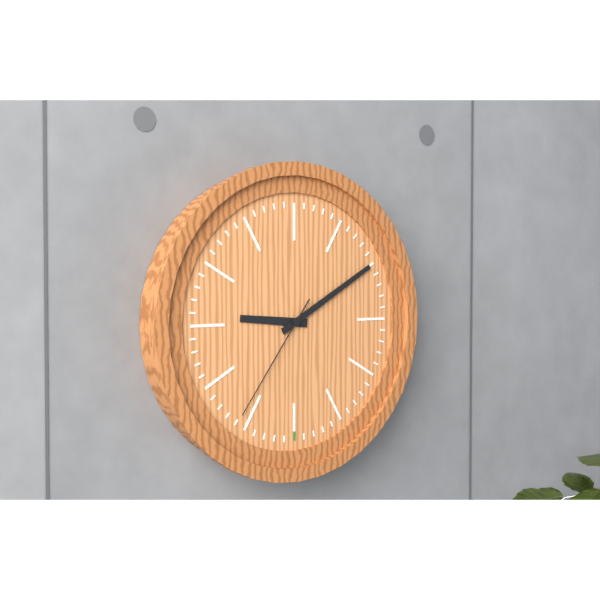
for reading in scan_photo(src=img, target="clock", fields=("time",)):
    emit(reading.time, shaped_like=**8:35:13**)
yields **9:10:36**
